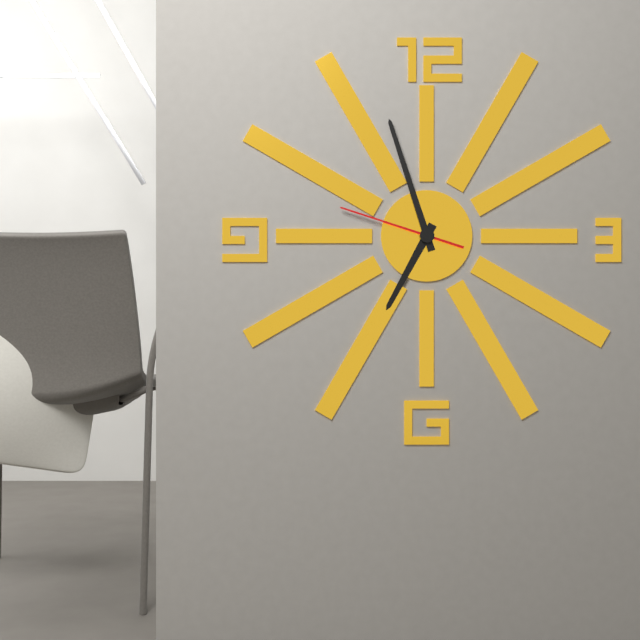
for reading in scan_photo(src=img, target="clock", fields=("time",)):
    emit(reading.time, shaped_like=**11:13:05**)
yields **6:57:48**
